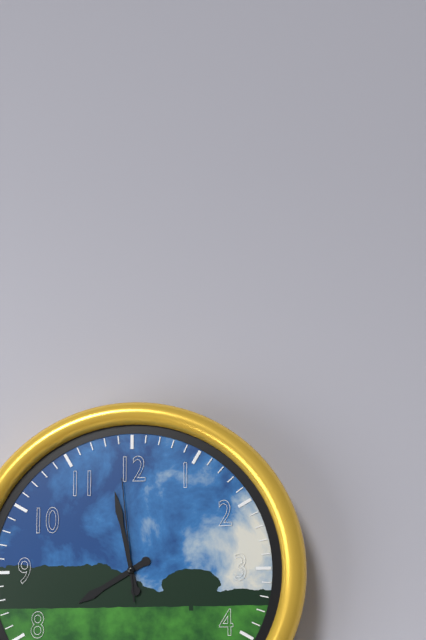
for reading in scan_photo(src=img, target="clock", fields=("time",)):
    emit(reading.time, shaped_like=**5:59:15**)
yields **7:58:59**
